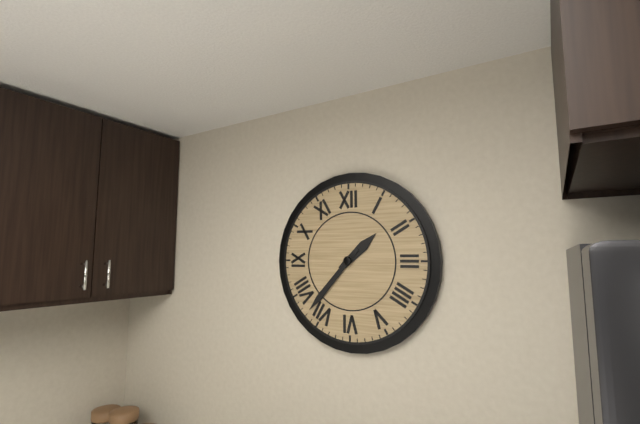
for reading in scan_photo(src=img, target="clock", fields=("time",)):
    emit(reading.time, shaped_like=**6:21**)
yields **1:37**
